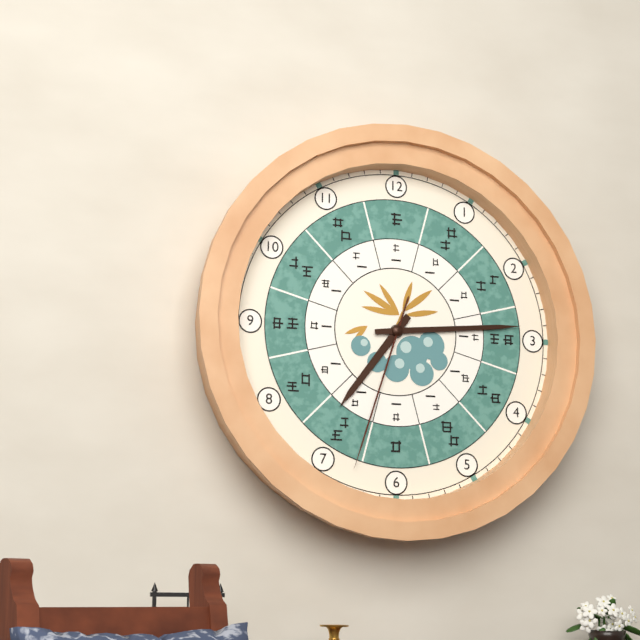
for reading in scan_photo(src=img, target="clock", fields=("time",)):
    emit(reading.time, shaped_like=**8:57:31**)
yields **7:14:33**
